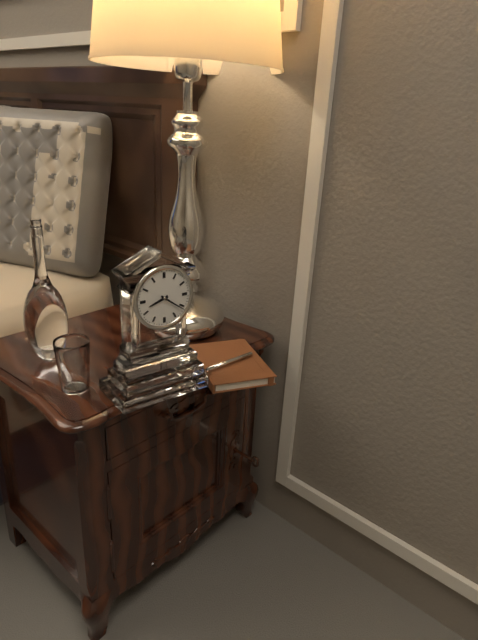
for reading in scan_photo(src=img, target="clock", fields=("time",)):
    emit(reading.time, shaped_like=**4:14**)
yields **8:21**
